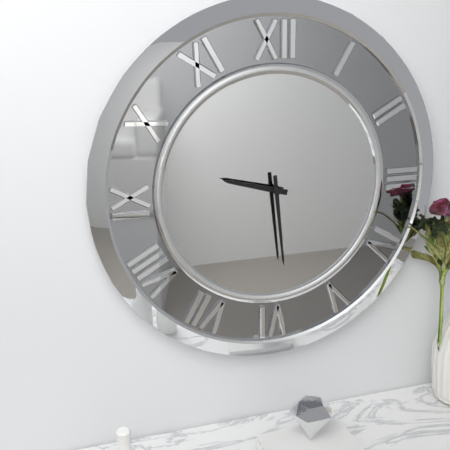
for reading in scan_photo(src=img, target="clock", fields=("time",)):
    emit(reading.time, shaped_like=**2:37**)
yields **9:29**
